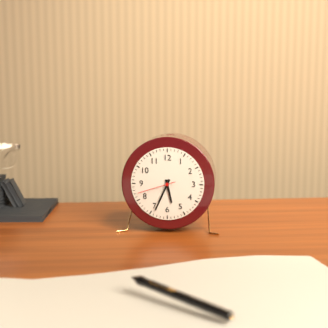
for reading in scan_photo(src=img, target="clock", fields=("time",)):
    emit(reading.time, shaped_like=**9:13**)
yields **5:34**
